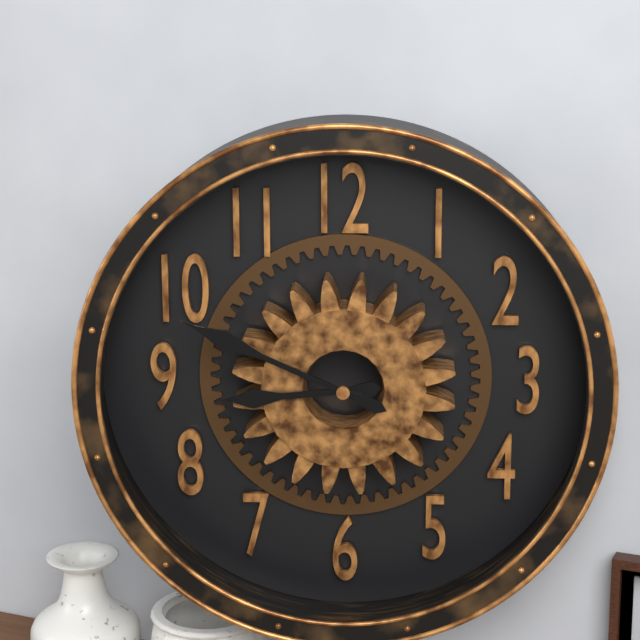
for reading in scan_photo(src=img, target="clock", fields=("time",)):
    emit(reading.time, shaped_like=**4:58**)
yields **8:49**
